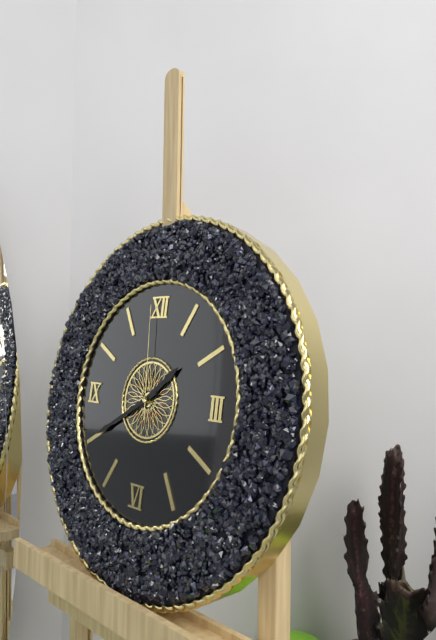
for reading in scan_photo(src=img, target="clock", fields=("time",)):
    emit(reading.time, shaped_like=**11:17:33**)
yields **1:40:59**
